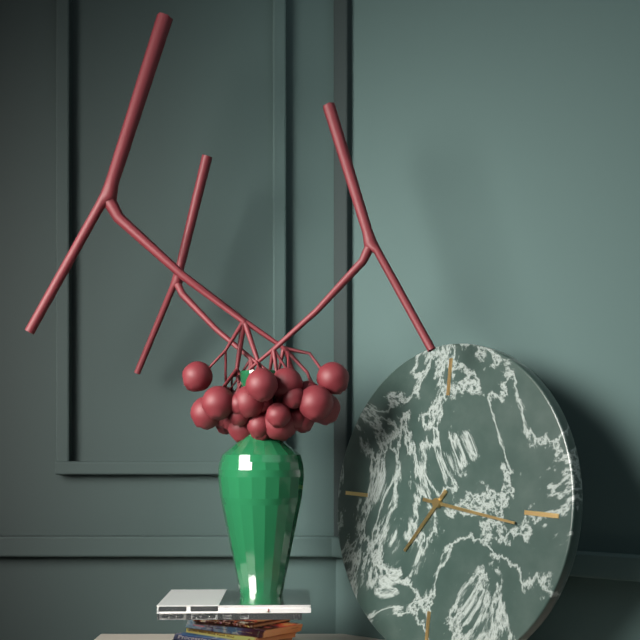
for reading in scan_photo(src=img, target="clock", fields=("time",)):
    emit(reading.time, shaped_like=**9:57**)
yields **7:16**
